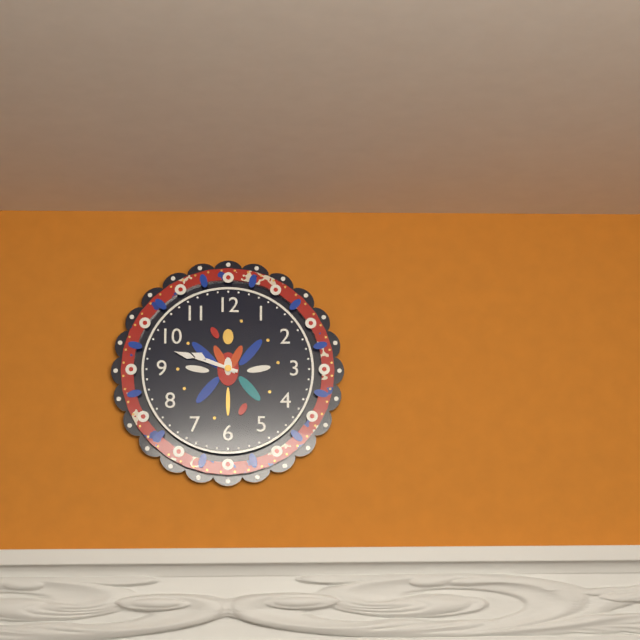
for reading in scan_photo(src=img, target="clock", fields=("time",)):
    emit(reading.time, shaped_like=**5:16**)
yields **9:48**
